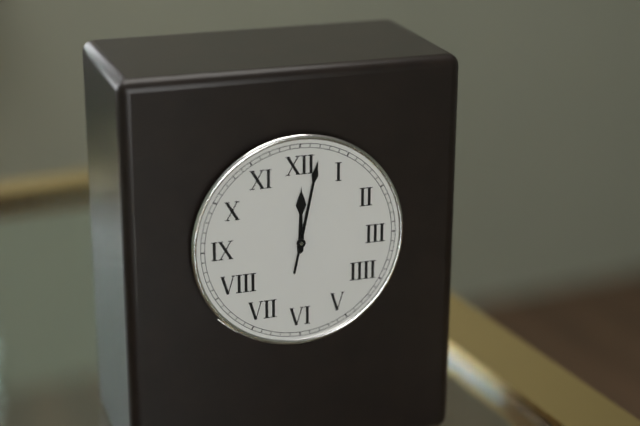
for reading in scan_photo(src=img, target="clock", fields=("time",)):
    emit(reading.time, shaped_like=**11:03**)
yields **12:02**
